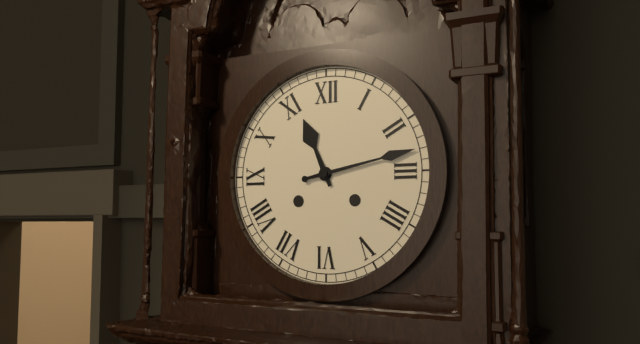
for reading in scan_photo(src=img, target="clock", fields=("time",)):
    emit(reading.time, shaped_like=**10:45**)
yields **11:13**
